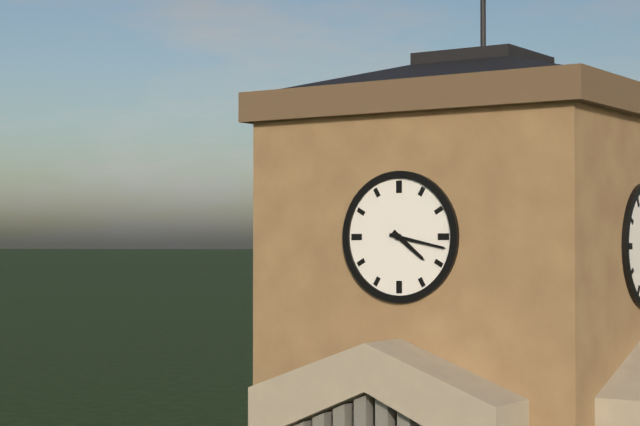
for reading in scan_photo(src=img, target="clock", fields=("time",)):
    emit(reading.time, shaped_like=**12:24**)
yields **4:17**
